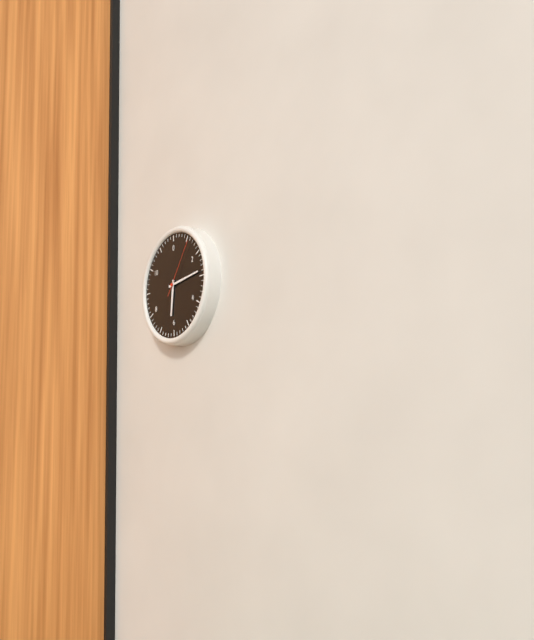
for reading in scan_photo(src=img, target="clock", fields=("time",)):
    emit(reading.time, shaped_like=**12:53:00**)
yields **6:14:06**
